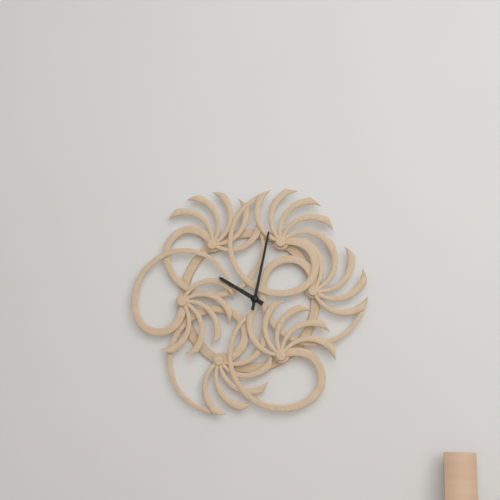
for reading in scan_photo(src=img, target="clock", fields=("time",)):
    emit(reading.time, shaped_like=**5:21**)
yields **10:02**
